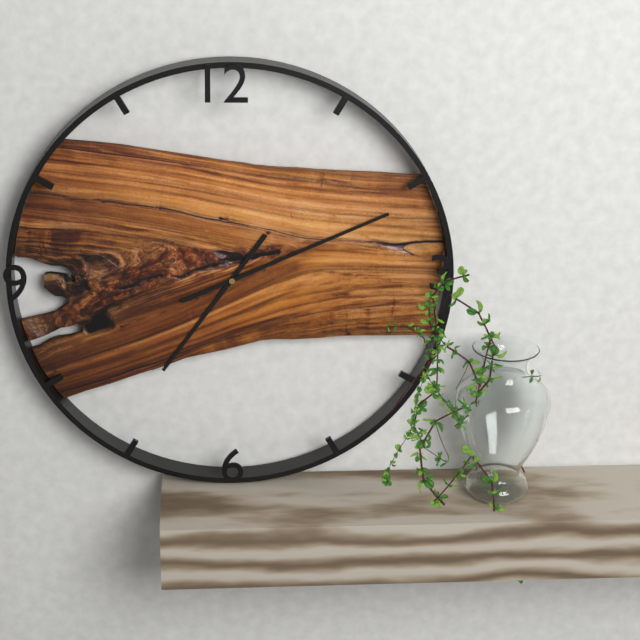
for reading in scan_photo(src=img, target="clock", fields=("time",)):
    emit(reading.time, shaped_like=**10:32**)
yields **7:11**
